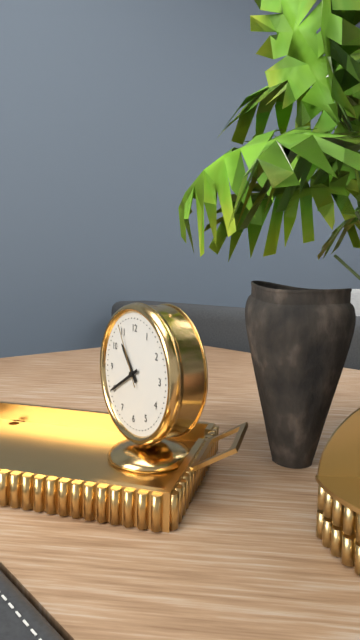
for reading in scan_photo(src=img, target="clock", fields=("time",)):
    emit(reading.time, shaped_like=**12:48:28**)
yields **10:40:55**
